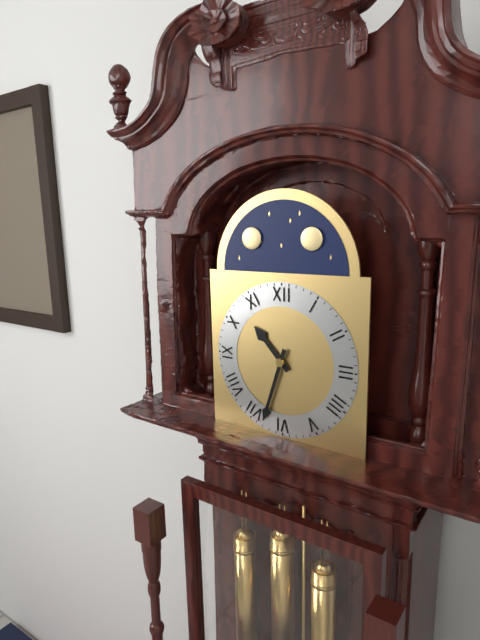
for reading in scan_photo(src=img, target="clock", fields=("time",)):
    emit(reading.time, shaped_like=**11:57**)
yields **10:33**
